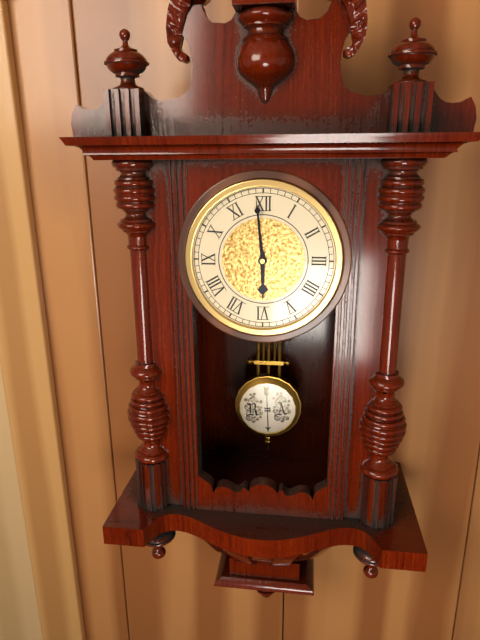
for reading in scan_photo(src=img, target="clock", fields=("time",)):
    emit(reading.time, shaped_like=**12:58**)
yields **5:59**
